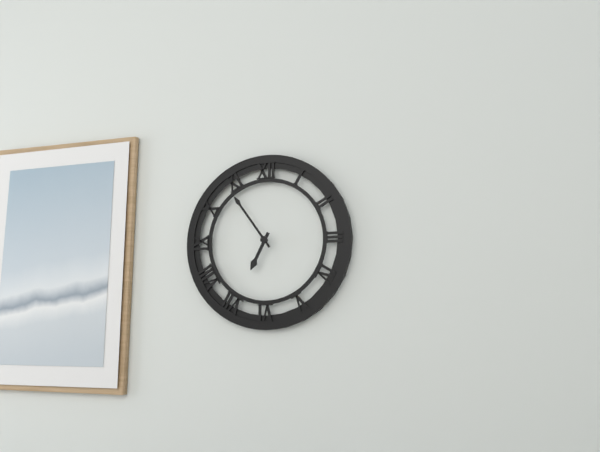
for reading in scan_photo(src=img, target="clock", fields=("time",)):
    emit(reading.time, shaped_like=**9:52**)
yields **6:54**
